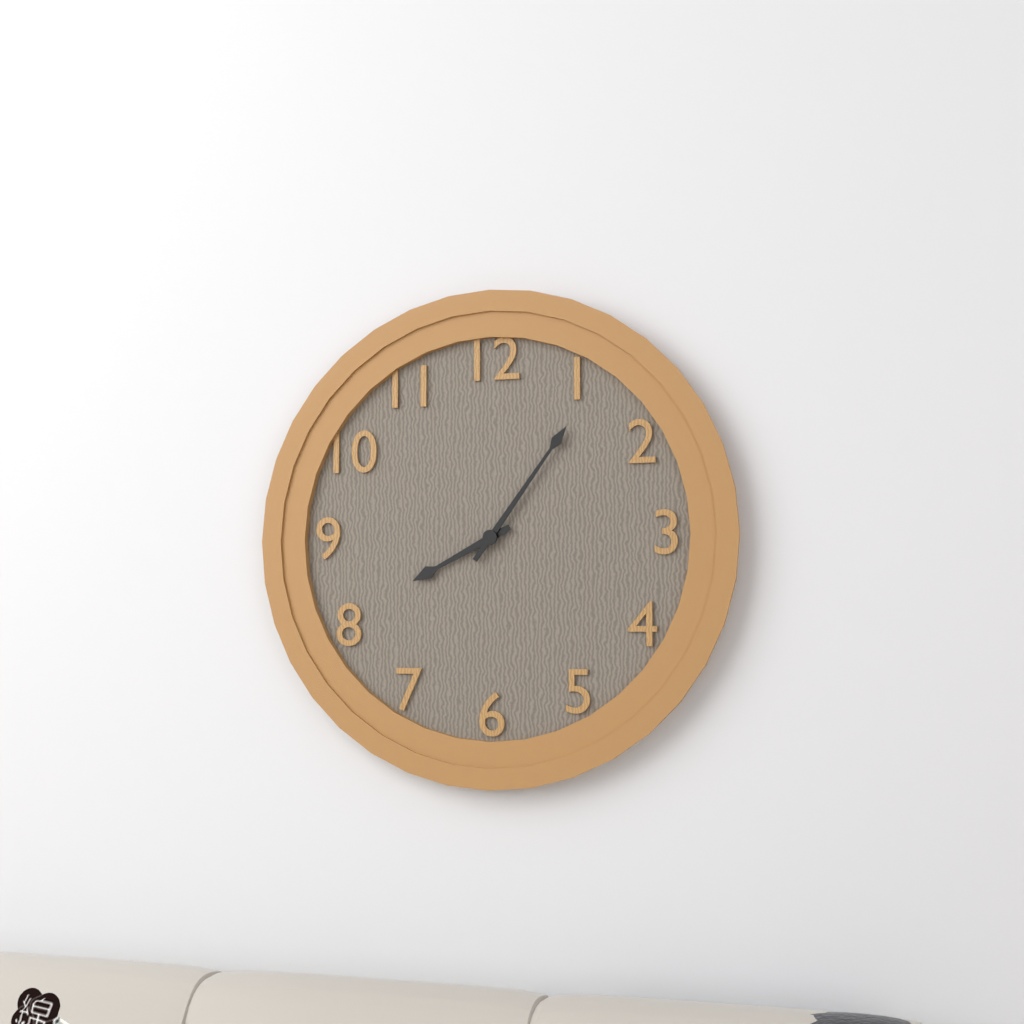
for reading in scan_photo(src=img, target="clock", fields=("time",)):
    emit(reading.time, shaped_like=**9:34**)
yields **8:06**
